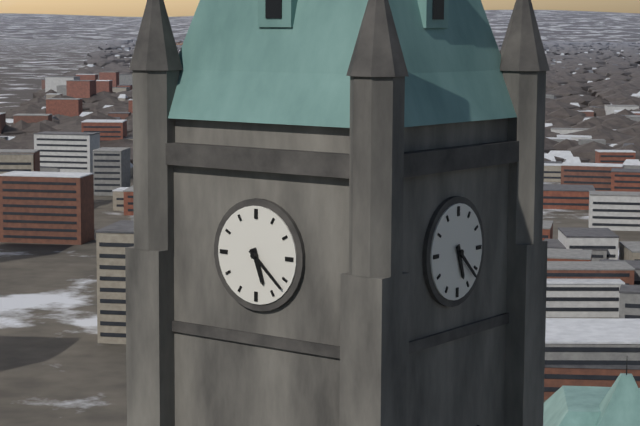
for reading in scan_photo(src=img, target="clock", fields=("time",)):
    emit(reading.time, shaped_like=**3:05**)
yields **5:22**
